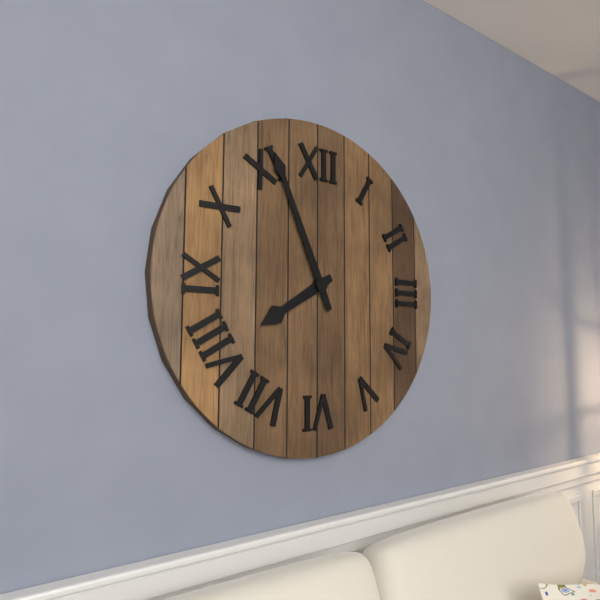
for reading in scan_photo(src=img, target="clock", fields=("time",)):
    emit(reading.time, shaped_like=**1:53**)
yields **7:56**
